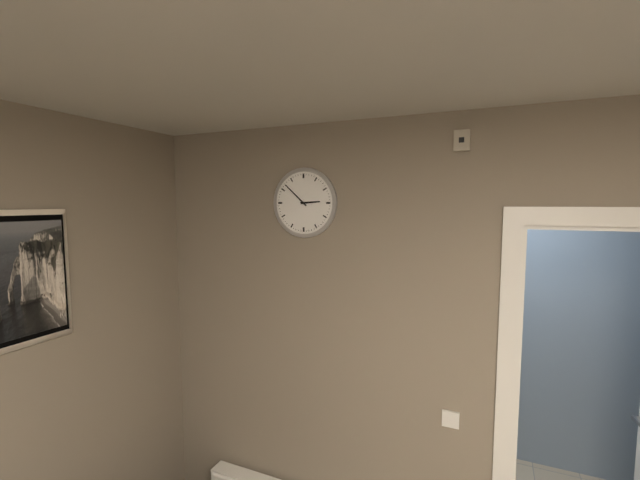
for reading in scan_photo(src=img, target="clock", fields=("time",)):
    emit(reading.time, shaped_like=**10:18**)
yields **2:52**
